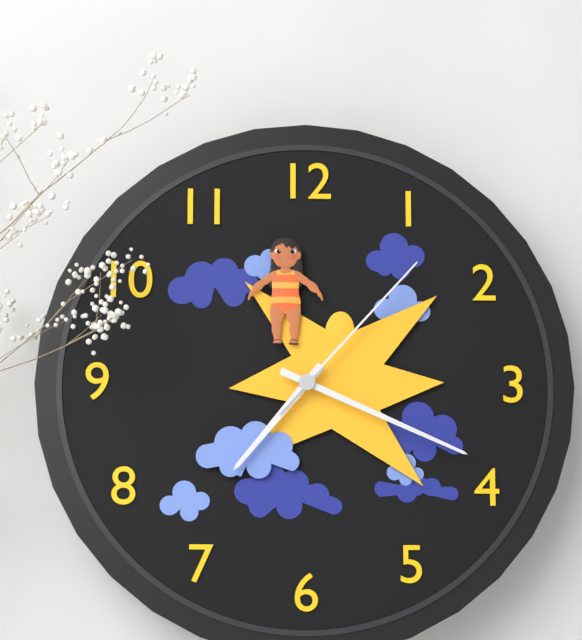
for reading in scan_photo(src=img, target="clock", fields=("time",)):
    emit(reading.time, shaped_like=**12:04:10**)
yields **7:19:07**
